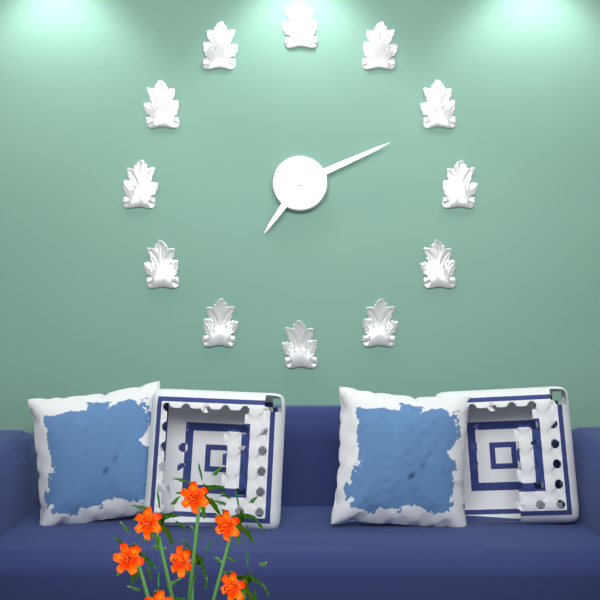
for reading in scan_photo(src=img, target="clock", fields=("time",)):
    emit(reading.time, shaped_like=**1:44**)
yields **7:11**
